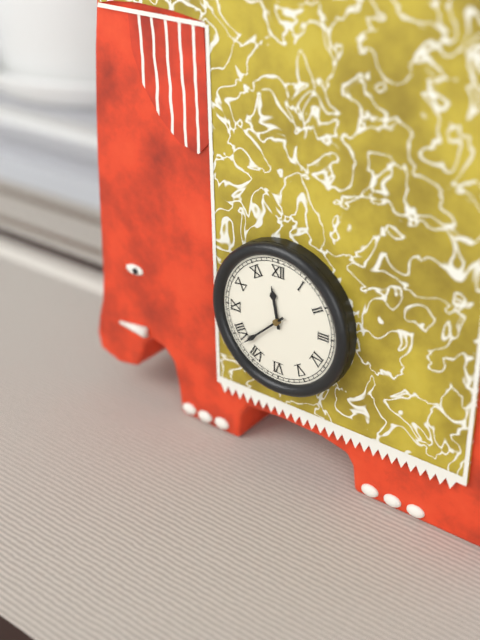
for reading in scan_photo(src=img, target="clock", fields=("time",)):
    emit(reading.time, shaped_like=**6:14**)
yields **11:38**
